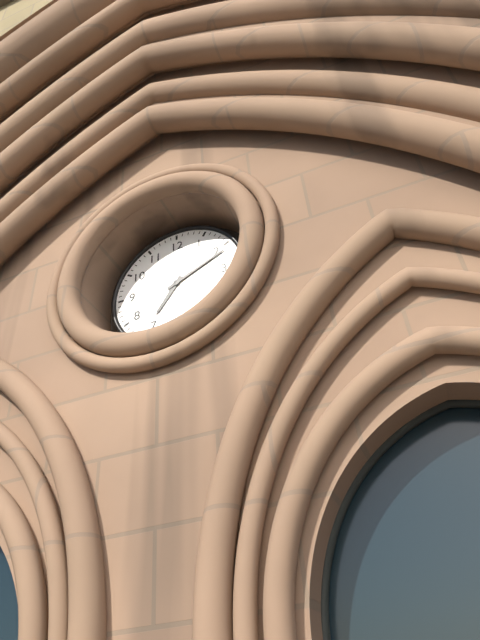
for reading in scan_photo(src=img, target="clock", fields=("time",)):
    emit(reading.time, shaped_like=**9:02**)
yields **7:11**
